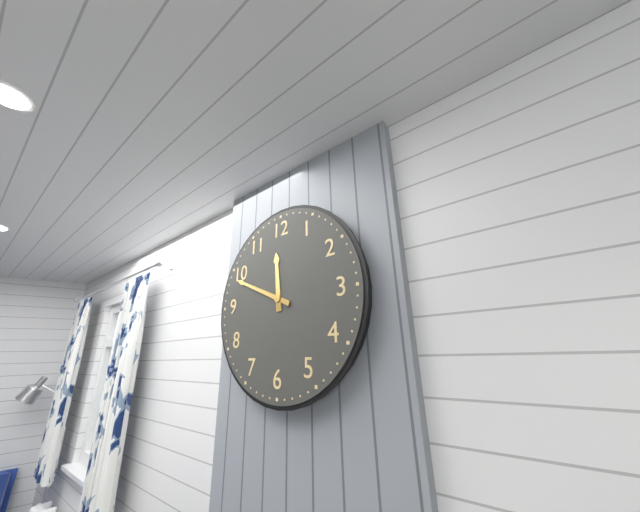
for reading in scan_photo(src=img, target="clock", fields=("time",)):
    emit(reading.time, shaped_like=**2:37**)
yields **11:49**
